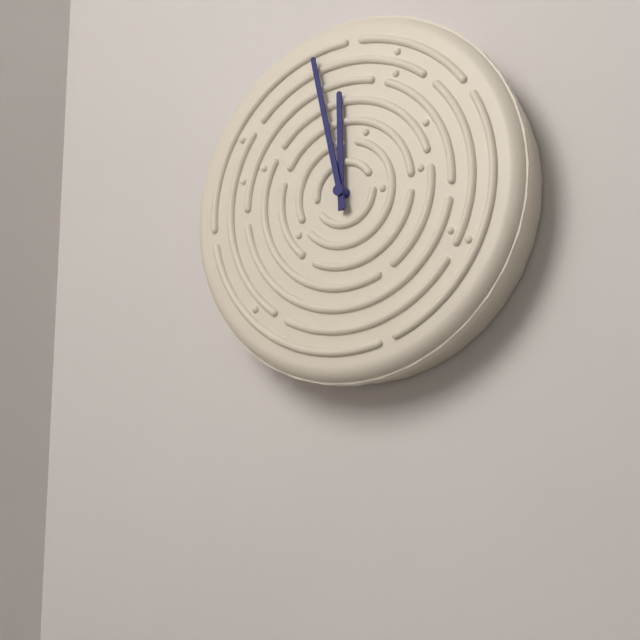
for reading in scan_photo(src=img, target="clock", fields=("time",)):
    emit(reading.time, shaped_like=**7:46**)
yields **11:58**
